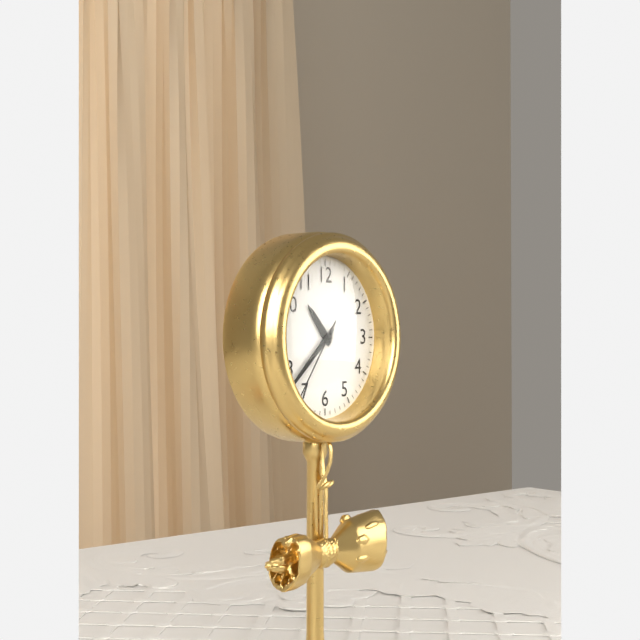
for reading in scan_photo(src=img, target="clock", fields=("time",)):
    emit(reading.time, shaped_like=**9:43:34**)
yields **10:38:36**
